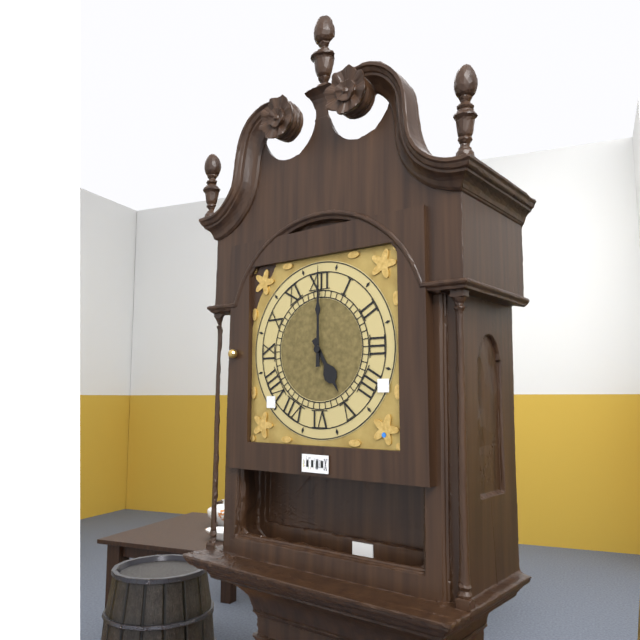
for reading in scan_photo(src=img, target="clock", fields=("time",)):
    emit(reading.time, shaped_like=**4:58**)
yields **5:00**
